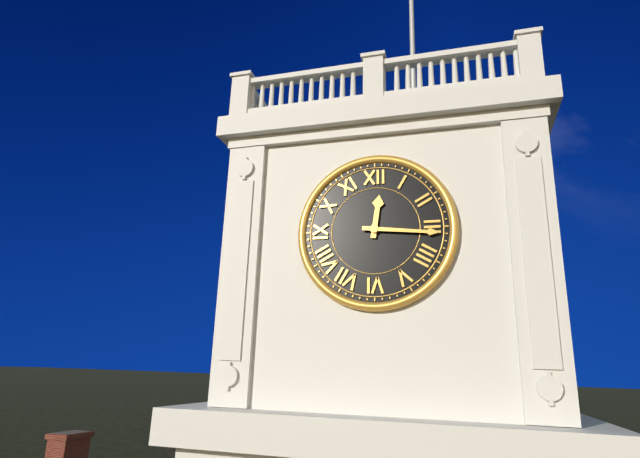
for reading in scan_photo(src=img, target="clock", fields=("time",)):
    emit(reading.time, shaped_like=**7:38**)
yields **12:16**
